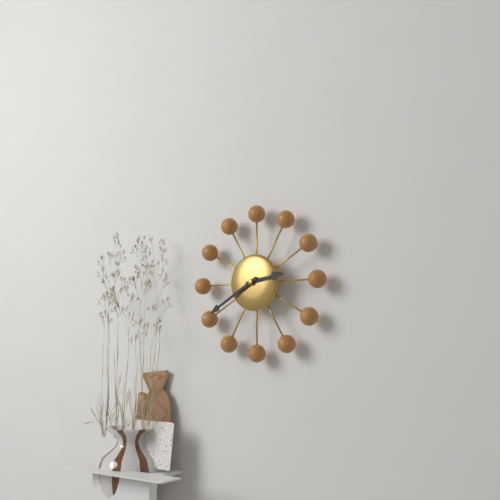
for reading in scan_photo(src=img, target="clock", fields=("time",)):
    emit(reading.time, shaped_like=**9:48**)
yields **2:40**
